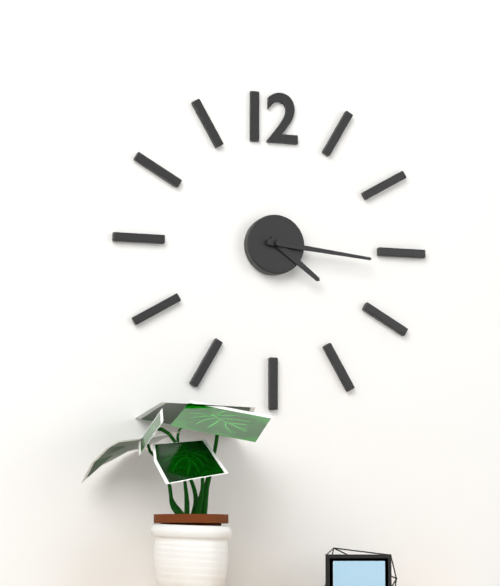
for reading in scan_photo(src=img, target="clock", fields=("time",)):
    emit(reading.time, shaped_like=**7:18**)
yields **4:16**
